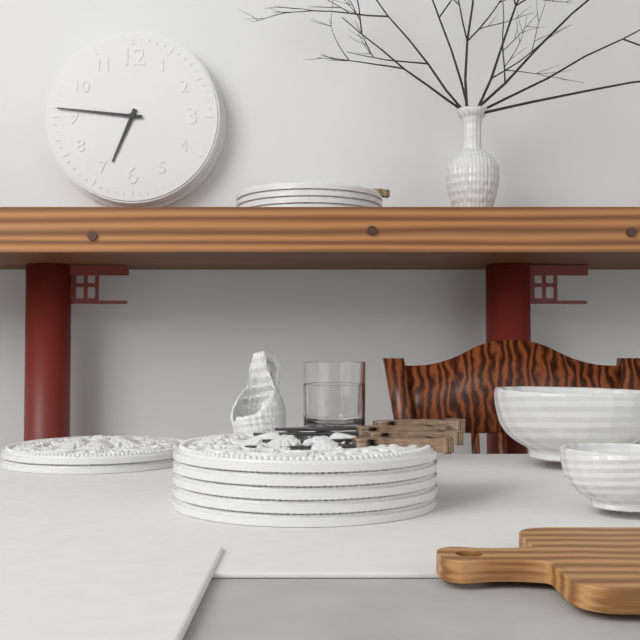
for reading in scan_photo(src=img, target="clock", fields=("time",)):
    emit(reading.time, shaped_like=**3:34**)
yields **6:46**
